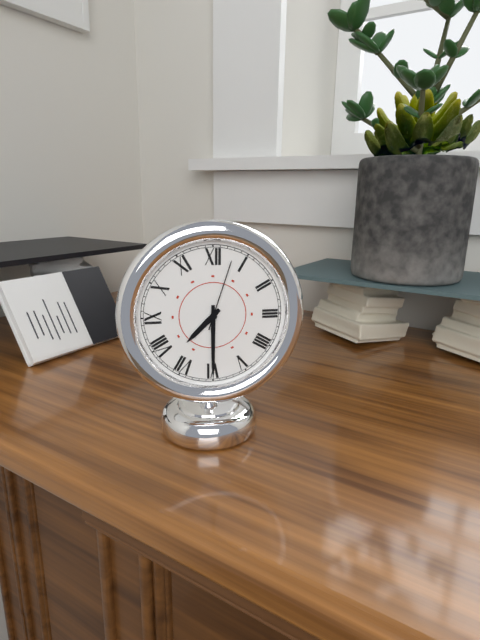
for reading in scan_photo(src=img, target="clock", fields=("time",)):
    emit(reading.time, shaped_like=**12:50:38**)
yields **7:30:03**
